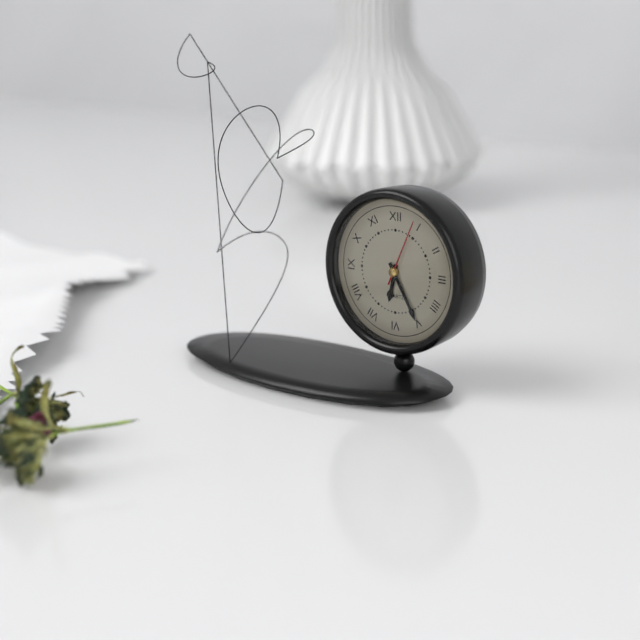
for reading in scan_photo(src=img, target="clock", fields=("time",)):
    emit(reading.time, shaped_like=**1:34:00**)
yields **6:25:04**
